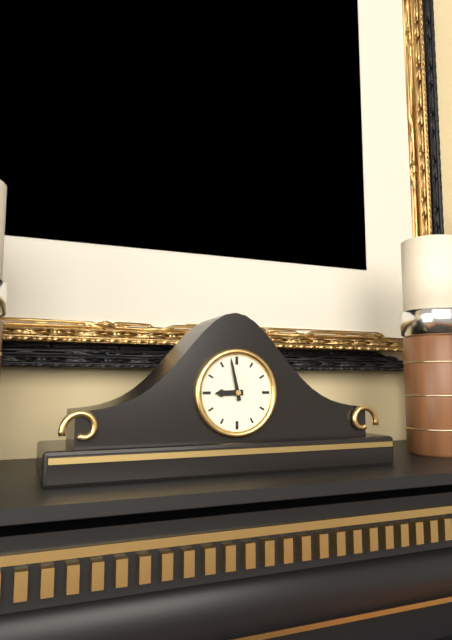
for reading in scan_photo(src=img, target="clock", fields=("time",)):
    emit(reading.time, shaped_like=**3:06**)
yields **8:58**
